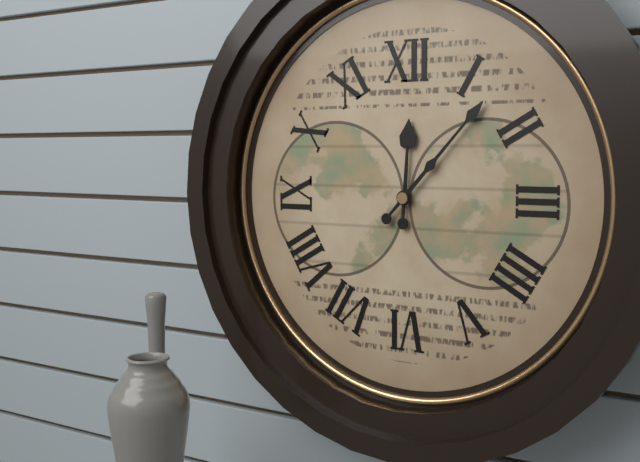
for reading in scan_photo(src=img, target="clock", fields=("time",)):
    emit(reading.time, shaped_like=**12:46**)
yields **12:07**
